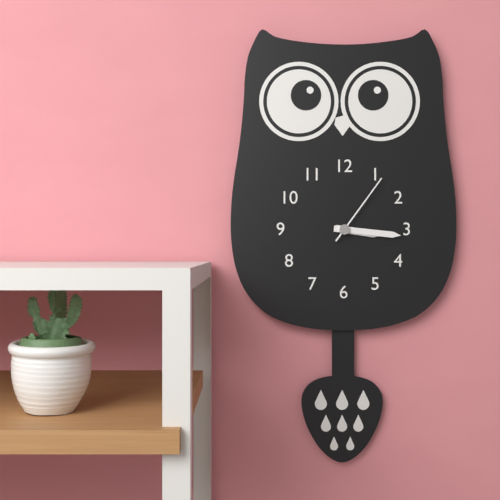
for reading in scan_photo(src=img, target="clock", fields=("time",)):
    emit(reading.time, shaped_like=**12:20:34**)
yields **3:16:06**
